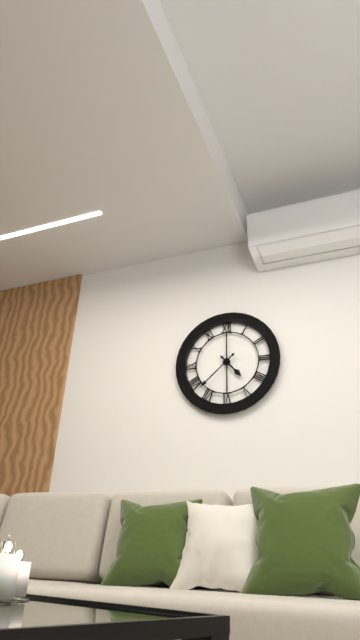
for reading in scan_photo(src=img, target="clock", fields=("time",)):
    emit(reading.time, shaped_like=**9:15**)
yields **4:38**
